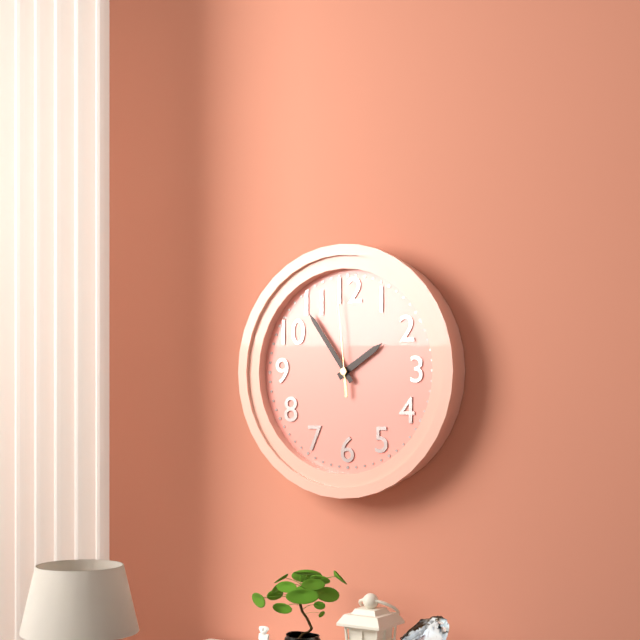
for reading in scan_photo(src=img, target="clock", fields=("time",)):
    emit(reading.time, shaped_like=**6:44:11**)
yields **1:54:59**
